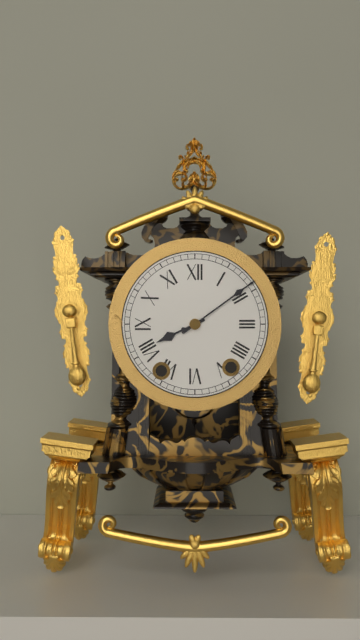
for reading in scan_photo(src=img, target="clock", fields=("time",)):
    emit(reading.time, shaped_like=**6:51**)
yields **8:09**
